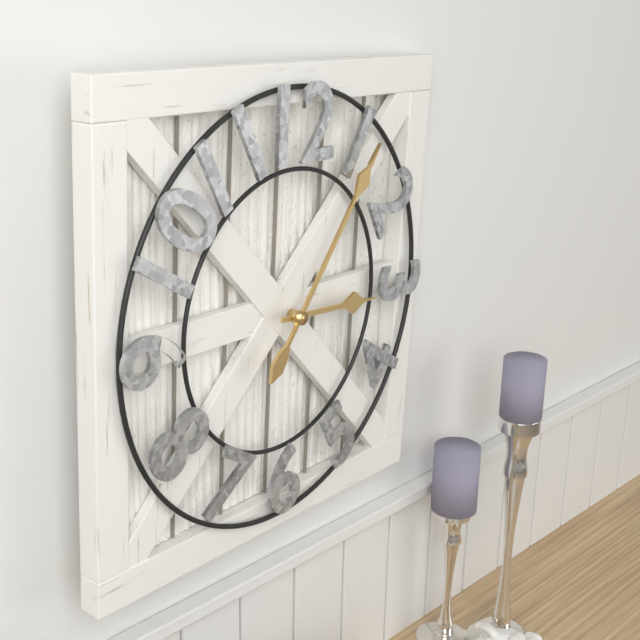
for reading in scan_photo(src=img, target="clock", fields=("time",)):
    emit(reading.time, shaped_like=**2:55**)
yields **3:06**
